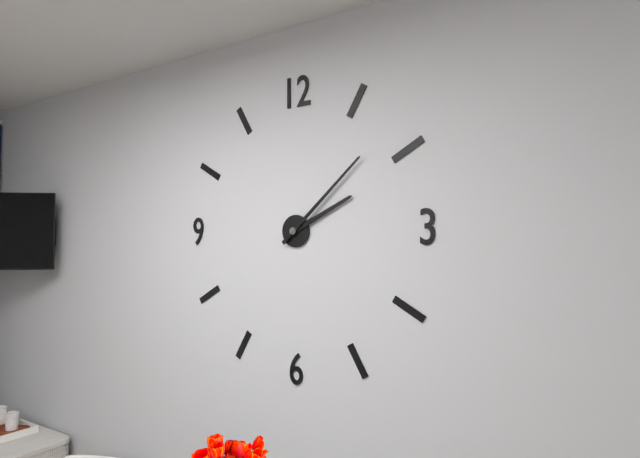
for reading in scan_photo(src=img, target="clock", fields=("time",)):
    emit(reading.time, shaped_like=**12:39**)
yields **2:08**
